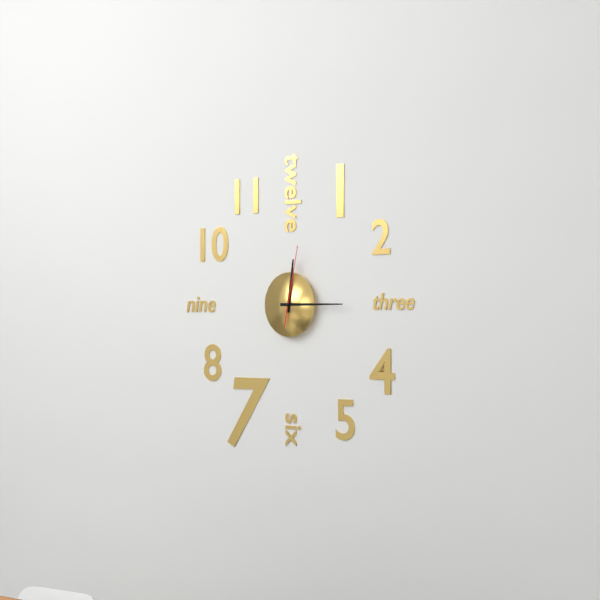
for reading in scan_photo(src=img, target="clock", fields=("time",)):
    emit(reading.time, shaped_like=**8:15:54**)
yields **12:15:02**
